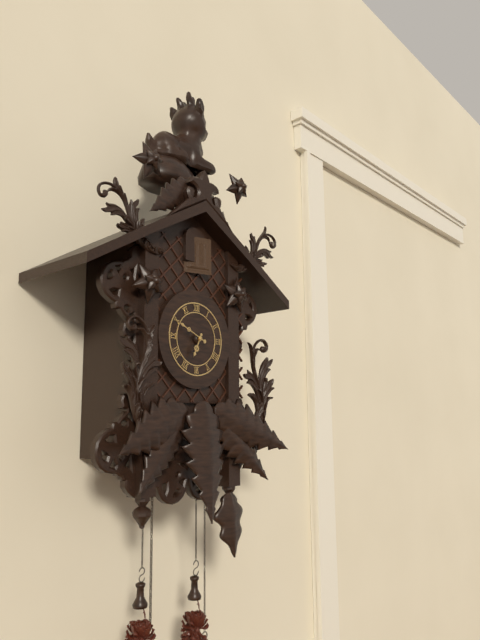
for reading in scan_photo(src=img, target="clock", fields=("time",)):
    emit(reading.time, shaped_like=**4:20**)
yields **6:49**
